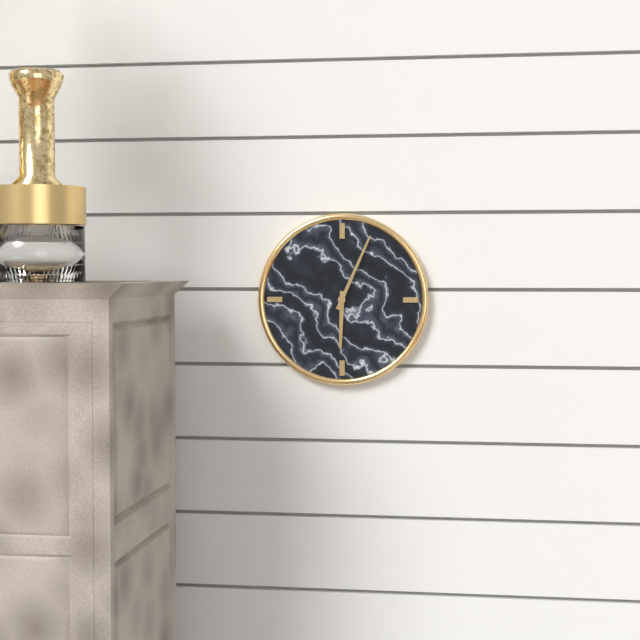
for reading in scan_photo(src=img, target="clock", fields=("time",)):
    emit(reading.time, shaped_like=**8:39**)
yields **6:04**
